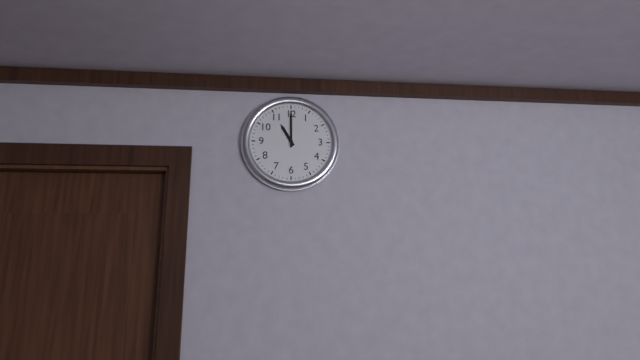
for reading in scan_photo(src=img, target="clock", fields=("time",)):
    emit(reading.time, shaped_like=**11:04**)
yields **11:00**
